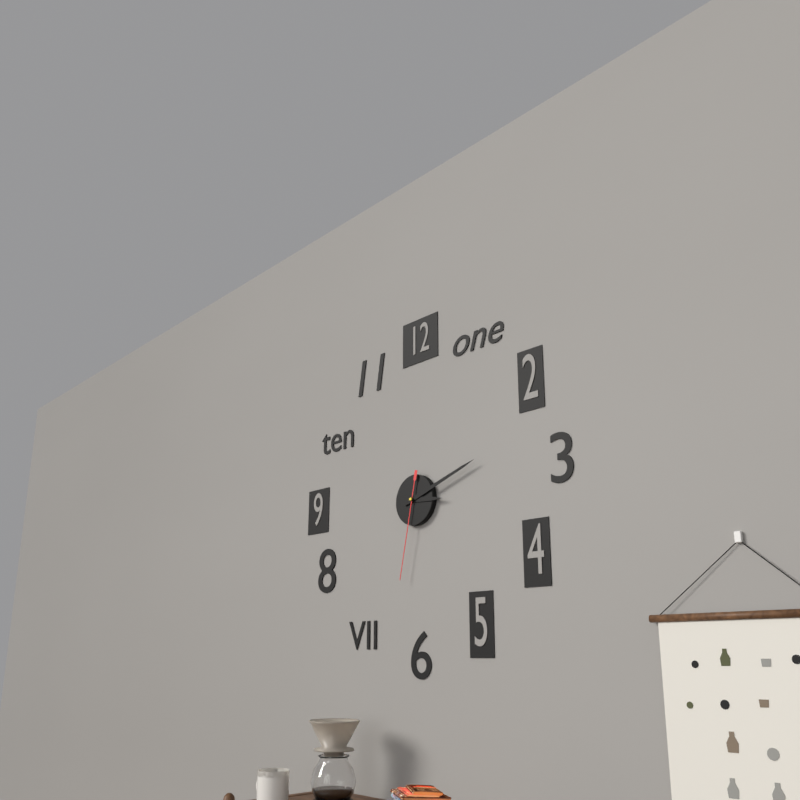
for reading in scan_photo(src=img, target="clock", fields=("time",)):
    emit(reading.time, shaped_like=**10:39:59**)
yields **3:12:32**
